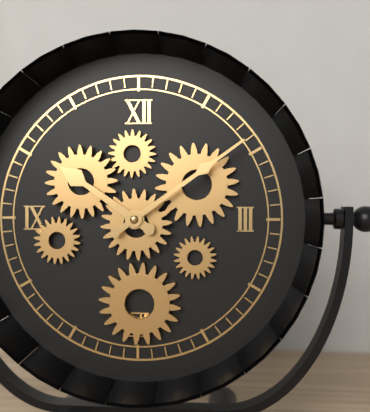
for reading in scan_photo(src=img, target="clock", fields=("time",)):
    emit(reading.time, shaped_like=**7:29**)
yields **10:09**
